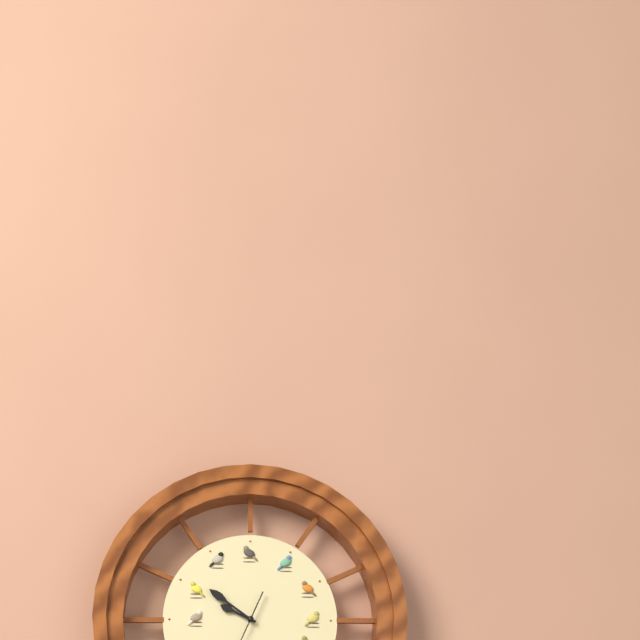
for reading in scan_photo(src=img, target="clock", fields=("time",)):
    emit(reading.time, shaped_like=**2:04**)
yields **9:51**
